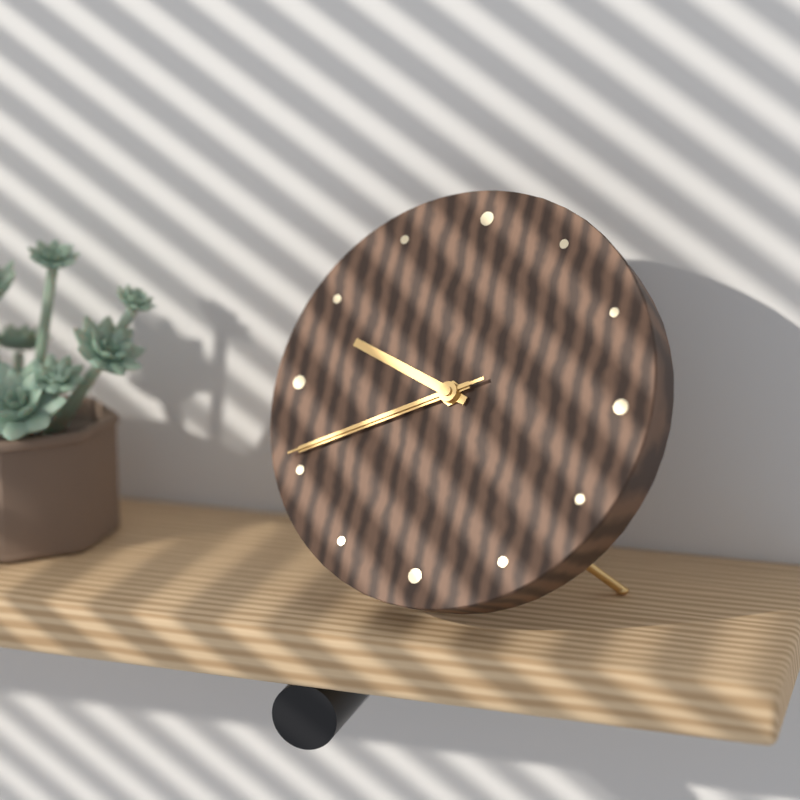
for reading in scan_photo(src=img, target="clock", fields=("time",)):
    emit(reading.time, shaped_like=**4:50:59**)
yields **9:41:41**
